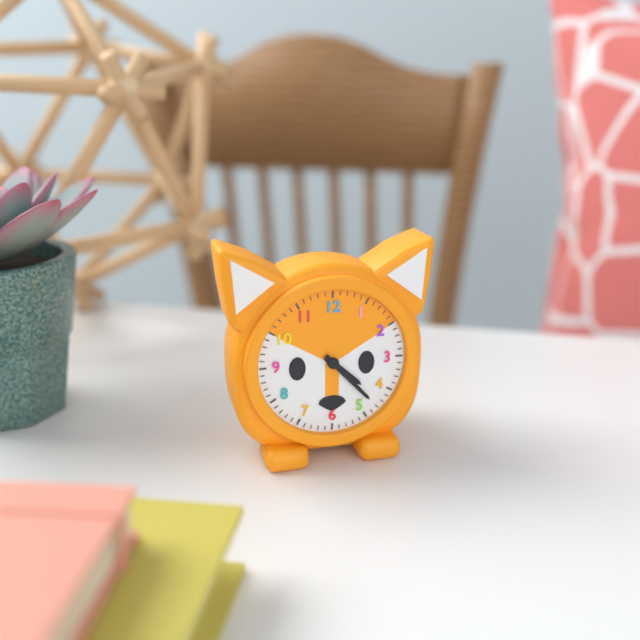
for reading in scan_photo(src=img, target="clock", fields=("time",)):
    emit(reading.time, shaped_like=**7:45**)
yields **4:23**
